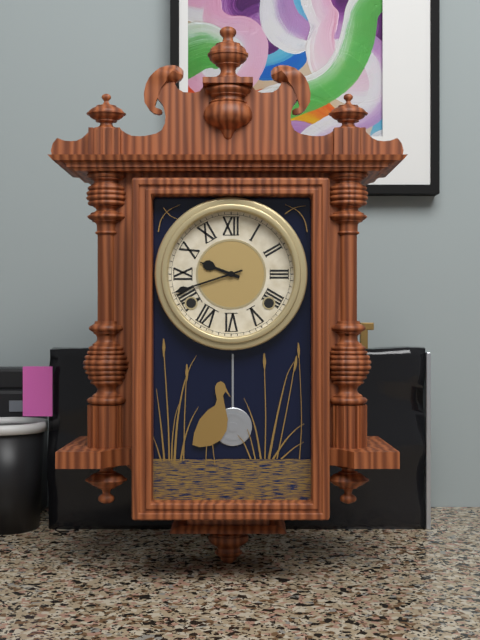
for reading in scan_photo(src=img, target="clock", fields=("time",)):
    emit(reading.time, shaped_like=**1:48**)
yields **9:42**
